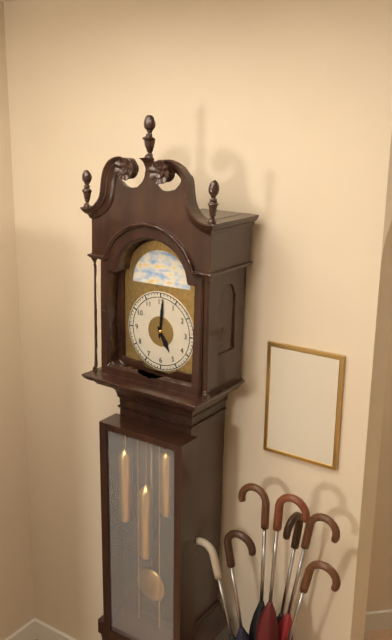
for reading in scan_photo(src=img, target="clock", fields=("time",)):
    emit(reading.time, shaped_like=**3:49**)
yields **5:01**
